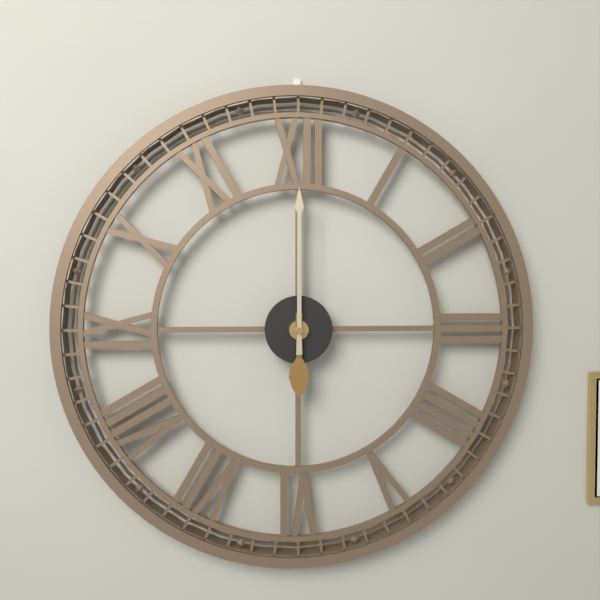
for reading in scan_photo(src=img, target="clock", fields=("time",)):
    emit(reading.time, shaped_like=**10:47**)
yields **6:00**
